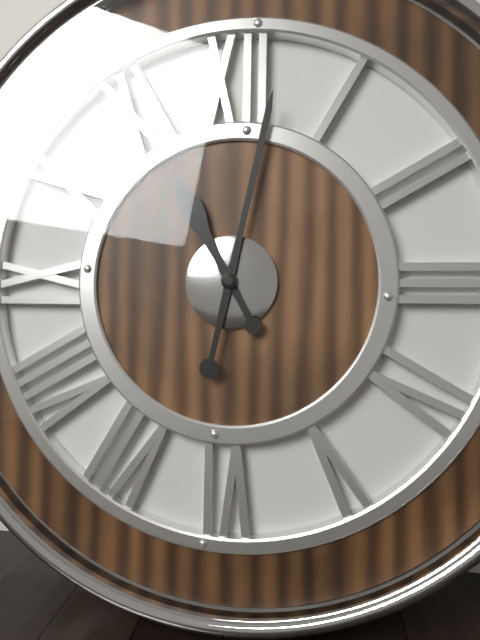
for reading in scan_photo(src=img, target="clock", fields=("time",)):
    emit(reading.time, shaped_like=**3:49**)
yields **11:02**
